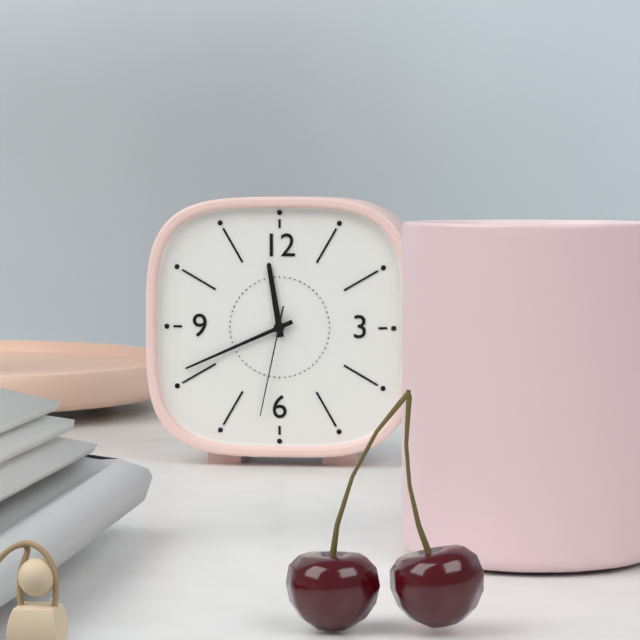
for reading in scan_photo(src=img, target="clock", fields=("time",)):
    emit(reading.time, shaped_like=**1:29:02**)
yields **11:41:32**
